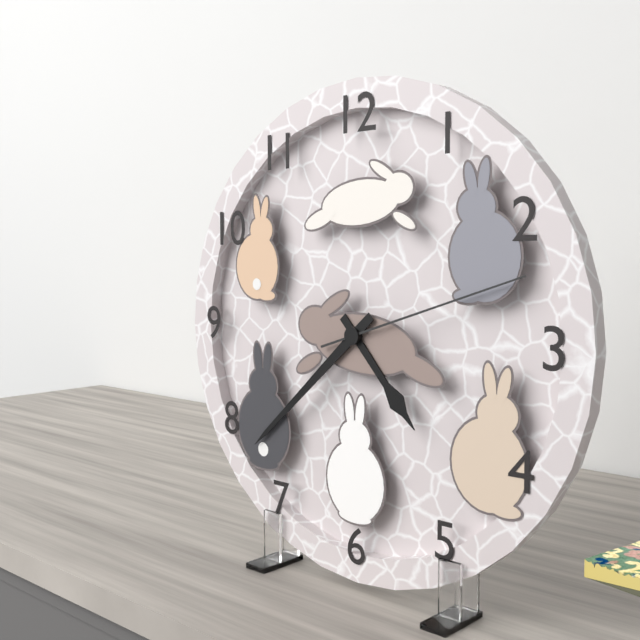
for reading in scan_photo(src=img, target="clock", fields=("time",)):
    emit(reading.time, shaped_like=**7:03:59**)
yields **4:38:12**
